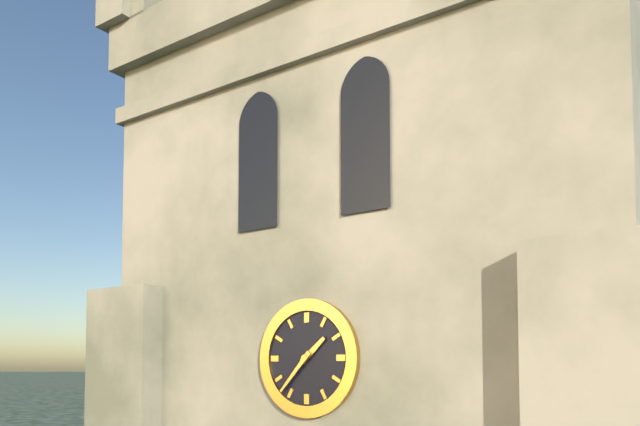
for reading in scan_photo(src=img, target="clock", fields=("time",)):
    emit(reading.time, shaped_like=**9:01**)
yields **1:37**
